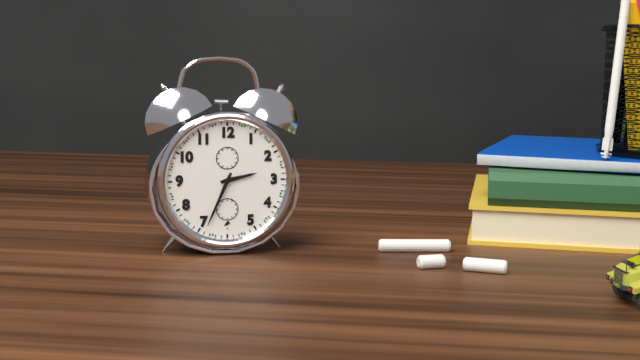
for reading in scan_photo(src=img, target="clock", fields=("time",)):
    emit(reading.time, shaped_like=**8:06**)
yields **2:34**
